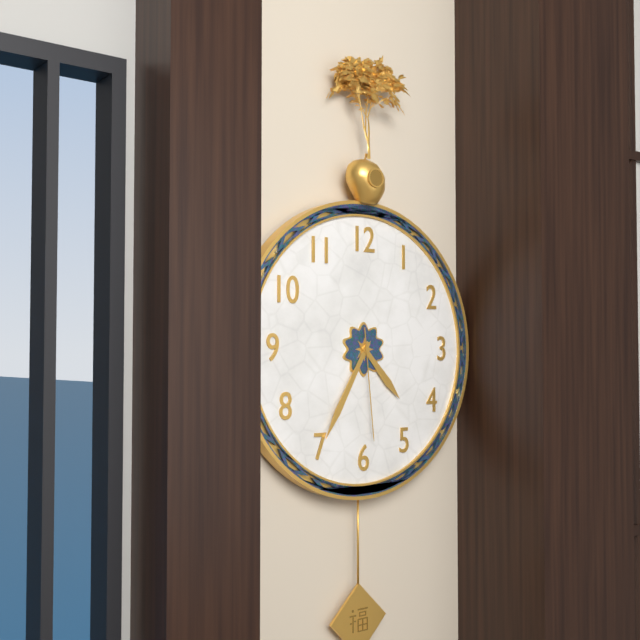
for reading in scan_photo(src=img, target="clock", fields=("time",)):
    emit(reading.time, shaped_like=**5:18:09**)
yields **4:35:29**
